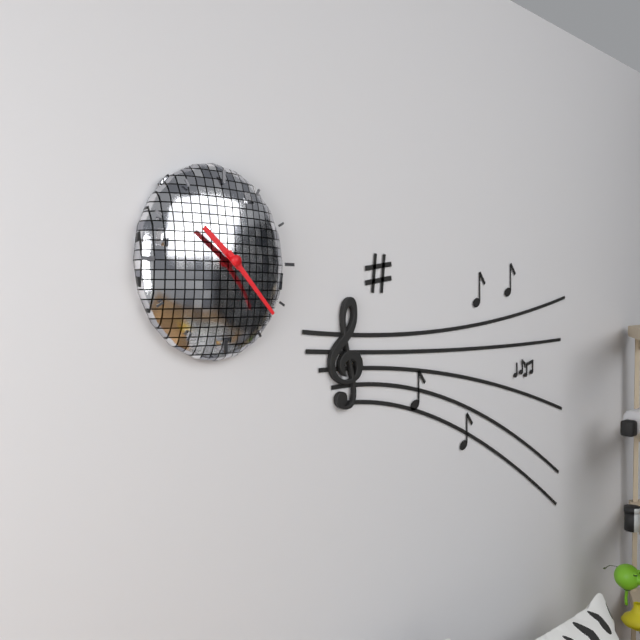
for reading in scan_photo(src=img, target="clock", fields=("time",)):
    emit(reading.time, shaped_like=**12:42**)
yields **10:23**
